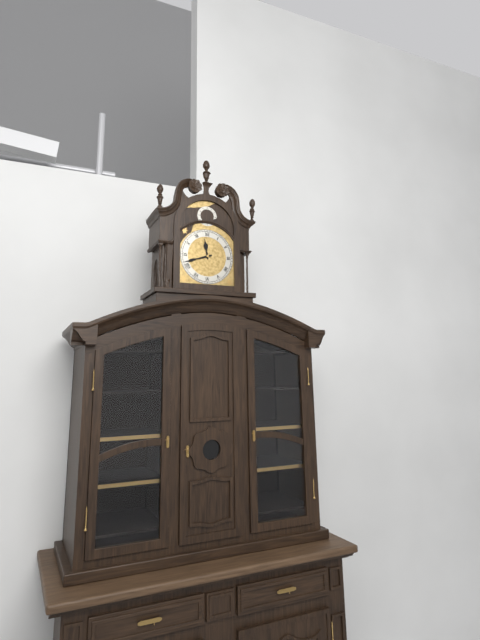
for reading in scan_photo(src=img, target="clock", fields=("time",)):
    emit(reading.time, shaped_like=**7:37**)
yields **11:42**
